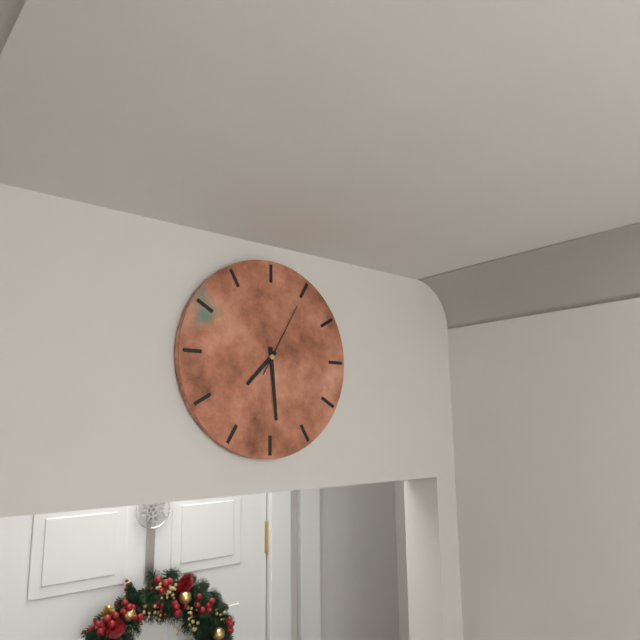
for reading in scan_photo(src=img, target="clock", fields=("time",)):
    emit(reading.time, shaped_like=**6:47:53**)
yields **7:29:05**
